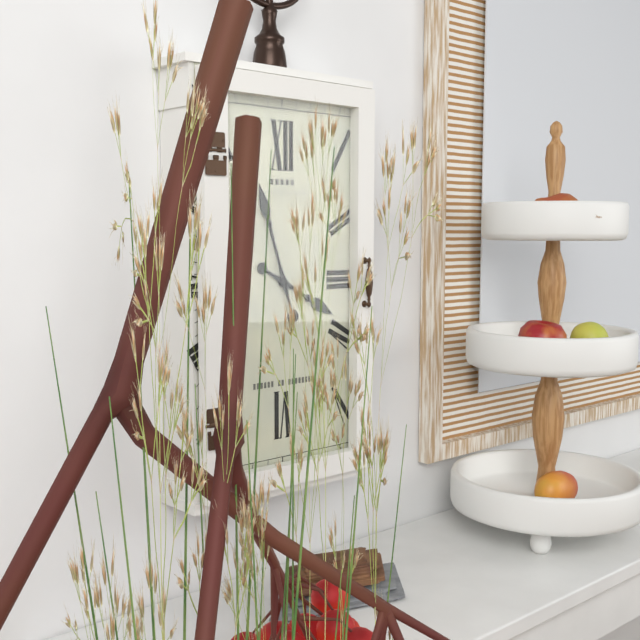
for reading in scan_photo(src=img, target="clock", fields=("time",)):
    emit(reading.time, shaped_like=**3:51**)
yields **3:57**
